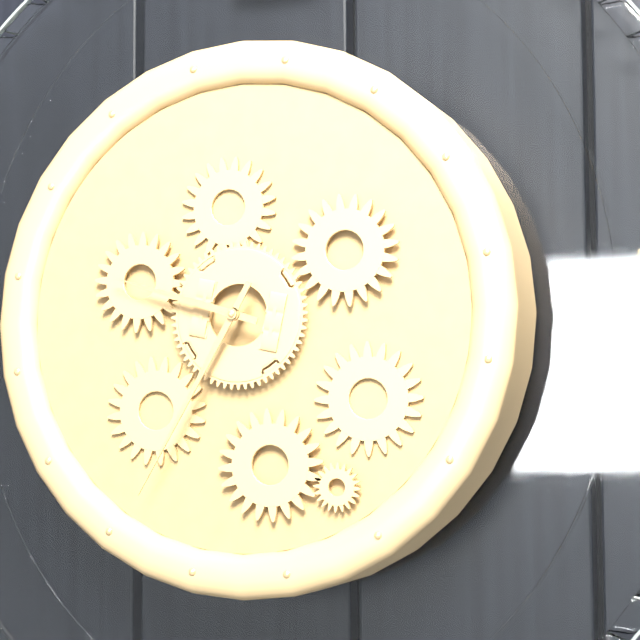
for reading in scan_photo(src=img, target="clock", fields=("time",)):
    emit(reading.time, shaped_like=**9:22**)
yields **9:35**
